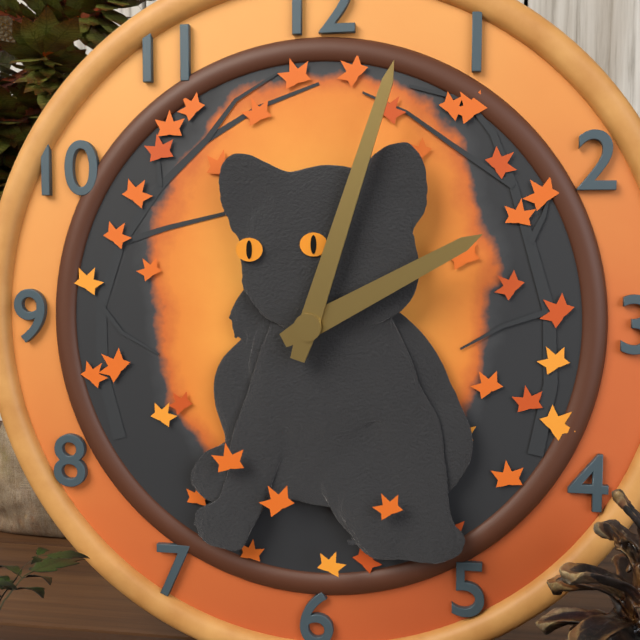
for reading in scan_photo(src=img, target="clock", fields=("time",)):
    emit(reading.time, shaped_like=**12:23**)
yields **2:03**
